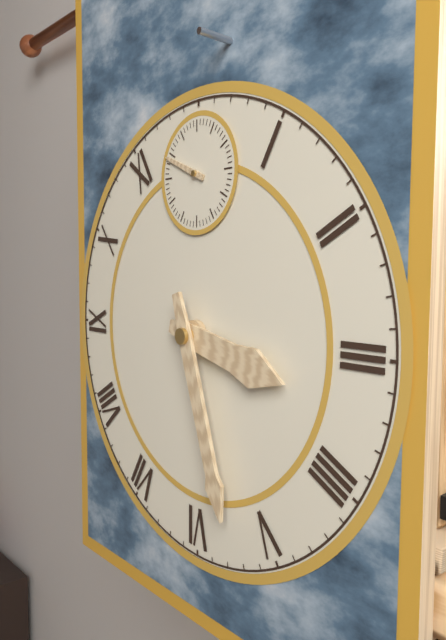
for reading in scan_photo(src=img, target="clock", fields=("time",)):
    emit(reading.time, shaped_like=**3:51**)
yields **3:27**
